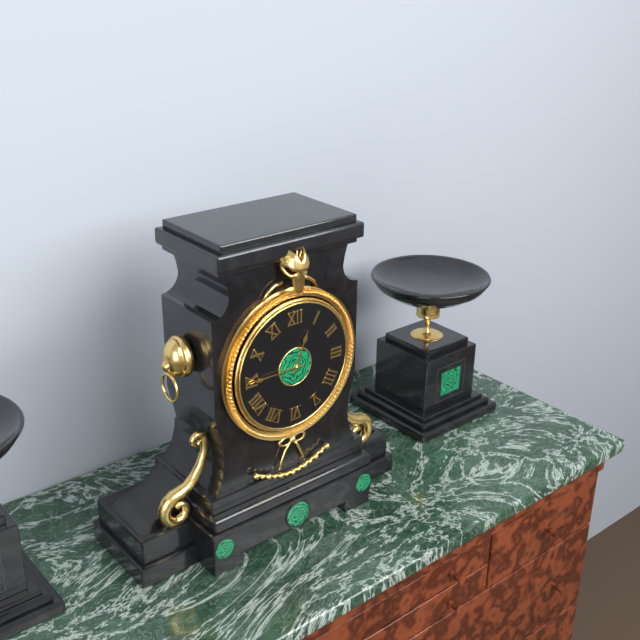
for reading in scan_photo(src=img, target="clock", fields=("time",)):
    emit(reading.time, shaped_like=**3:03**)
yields **12:45**
